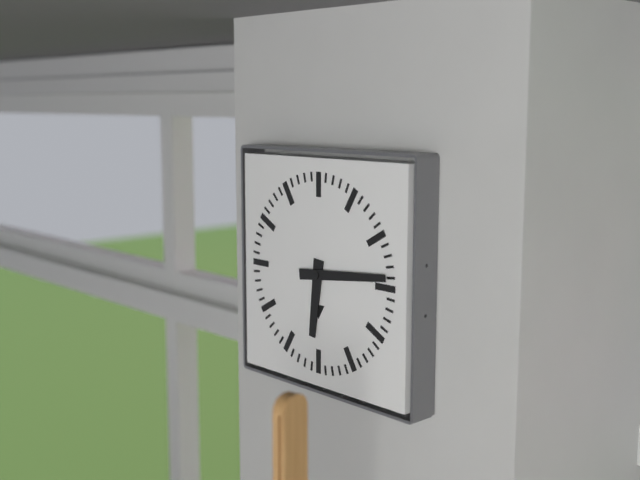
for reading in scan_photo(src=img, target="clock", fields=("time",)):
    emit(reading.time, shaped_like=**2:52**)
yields **6:14**
